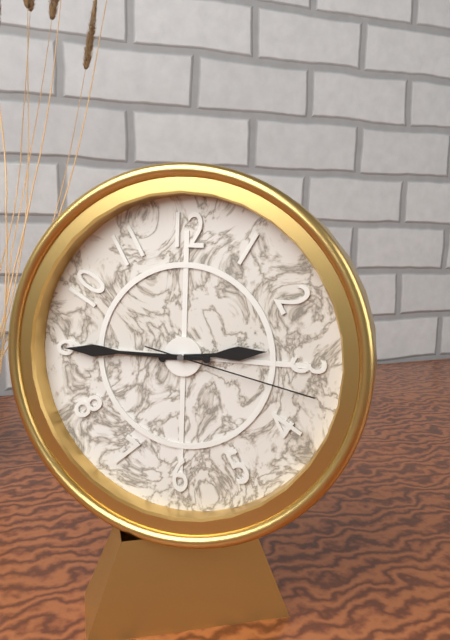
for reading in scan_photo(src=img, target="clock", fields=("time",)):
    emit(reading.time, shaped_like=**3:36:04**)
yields **2:45:17**
